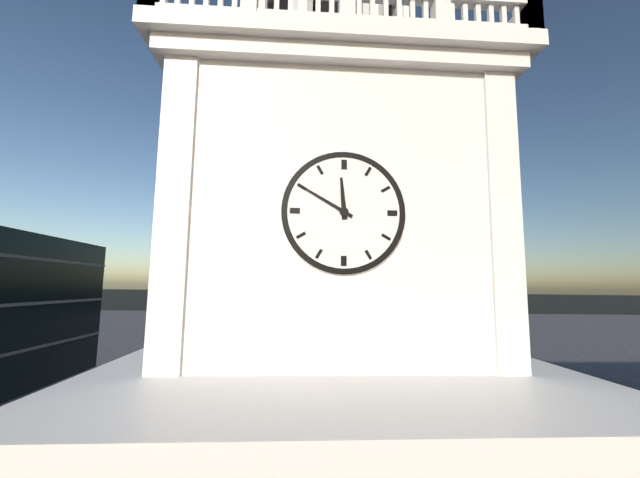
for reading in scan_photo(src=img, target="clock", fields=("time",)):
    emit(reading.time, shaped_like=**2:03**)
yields **11:50**
